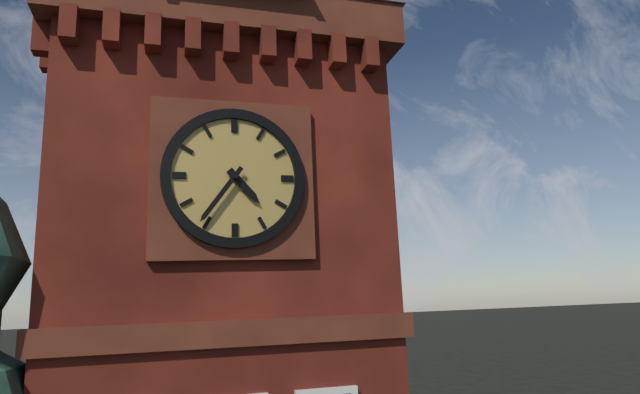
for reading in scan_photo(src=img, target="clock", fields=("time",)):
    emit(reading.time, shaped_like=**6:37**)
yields **4:36**
